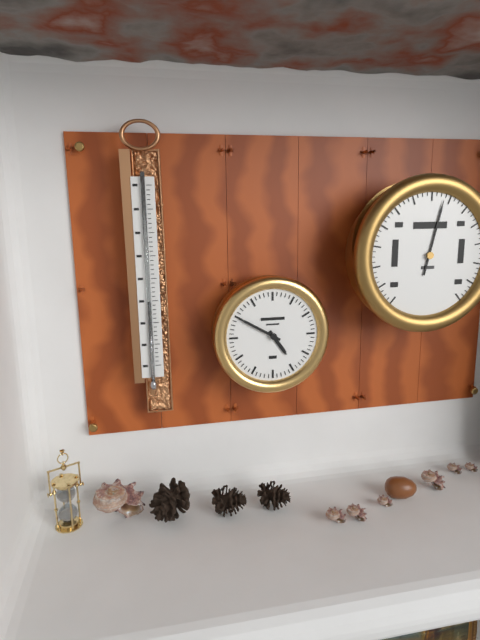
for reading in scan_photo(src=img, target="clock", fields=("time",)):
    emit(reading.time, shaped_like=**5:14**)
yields **4:50**
